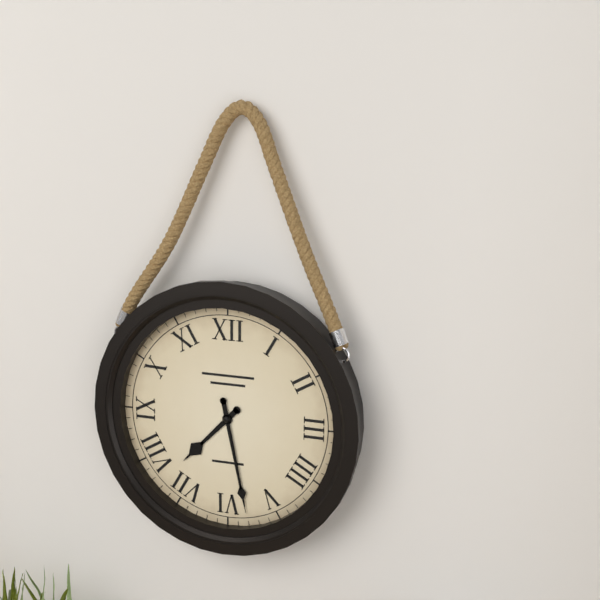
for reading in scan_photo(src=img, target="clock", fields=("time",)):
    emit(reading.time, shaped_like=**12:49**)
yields **7:28**
